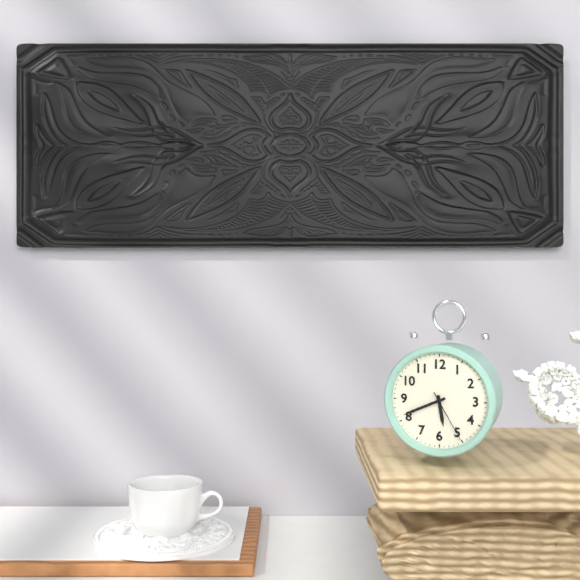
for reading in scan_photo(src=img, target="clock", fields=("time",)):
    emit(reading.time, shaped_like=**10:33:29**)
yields **5:41:25**
